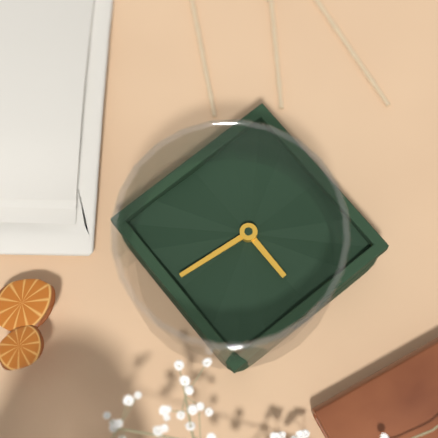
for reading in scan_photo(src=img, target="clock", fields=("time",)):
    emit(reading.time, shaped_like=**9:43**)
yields **9:01**
